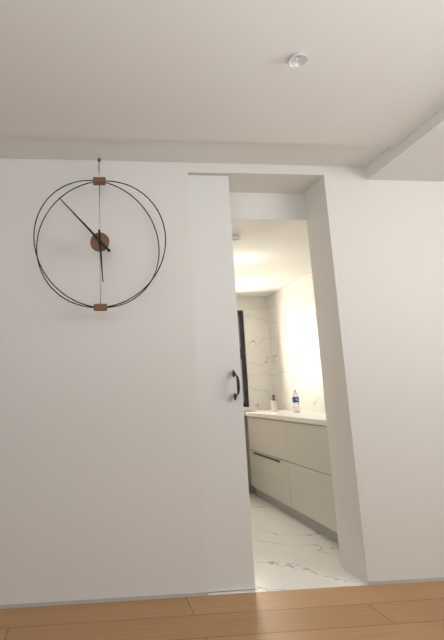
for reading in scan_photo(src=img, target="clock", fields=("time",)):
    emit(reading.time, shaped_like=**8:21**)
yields **5:53**
